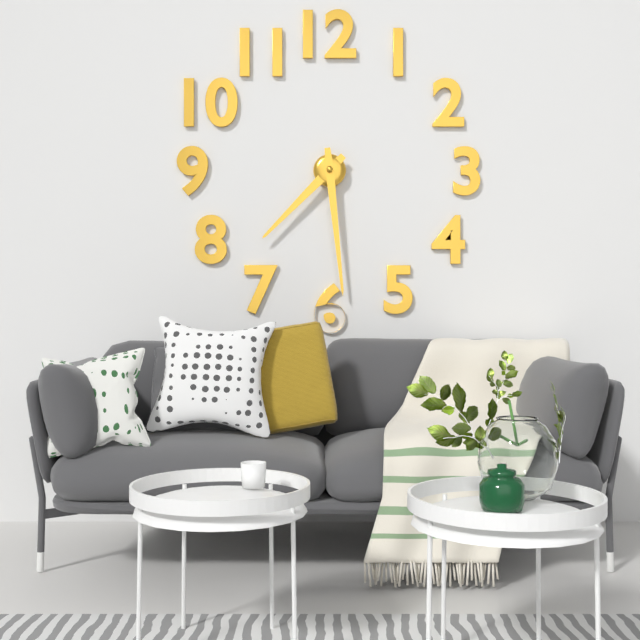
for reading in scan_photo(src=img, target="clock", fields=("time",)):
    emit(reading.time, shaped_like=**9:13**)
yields **7:29**
